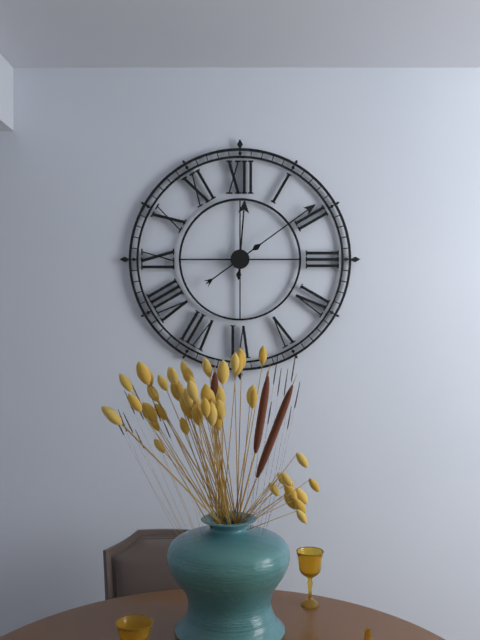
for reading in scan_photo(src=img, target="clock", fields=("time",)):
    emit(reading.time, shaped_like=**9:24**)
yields **12:09**
